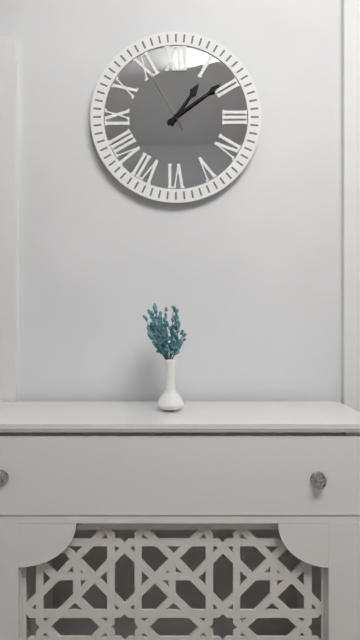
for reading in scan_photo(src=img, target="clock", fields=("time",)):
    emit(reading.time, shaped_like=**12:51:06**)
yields **1:09:55**
